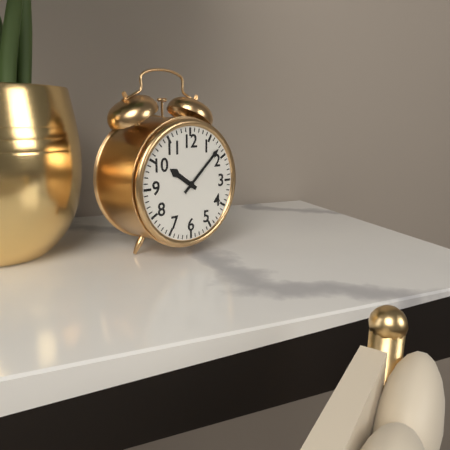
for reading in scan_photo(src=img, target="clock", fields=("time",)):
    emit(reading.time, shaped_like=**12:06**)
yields **10:08**
